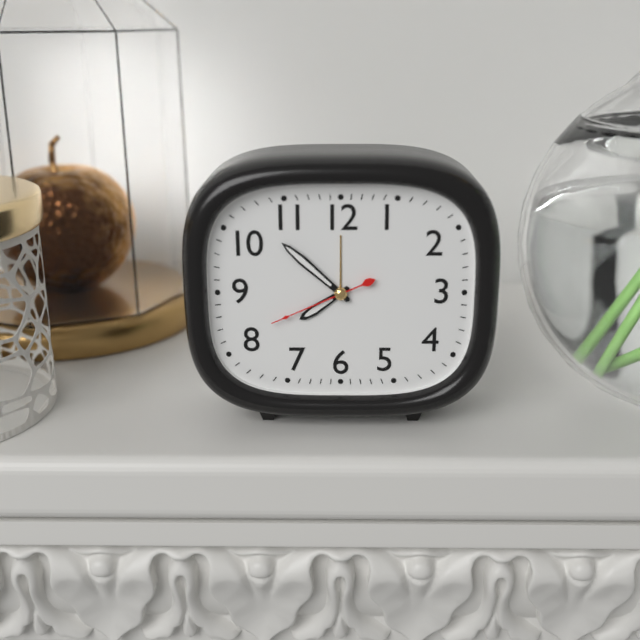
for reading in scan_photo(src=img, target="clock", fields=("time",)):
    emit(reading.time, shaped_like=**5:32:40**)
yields **7:52:41**
